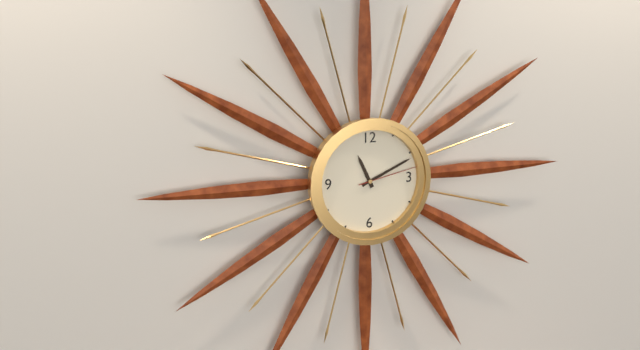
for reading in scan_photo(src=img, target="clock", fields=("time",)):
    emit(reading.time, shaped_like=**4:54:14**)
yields **11:11:13**
